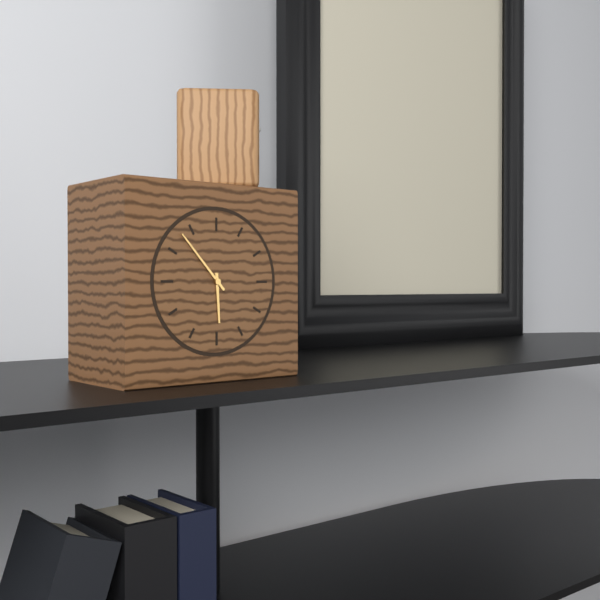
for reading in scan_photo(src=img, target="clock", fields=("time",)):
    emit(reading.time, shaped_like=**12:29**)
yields **5:53**
